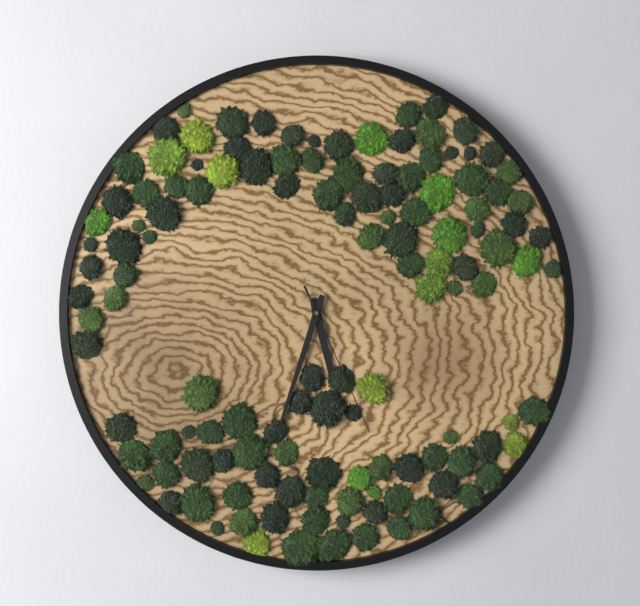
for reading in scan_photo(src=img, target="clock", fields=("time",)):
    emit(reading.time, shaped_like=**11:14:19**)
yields **5:33:26**
